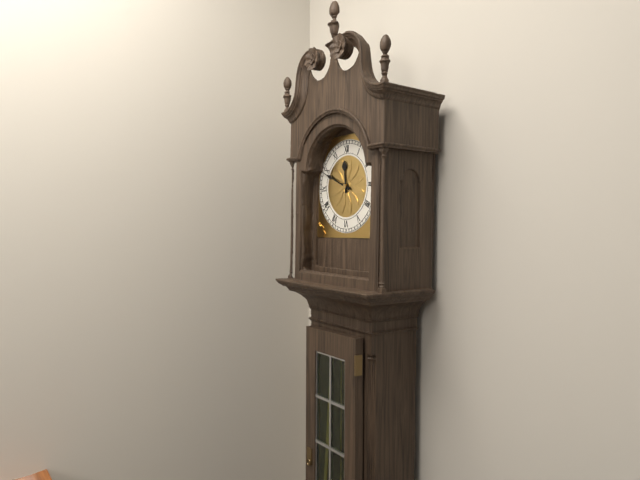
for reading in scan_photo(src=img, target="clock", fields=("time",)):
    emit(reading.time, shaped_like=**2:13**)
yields **11:49**
